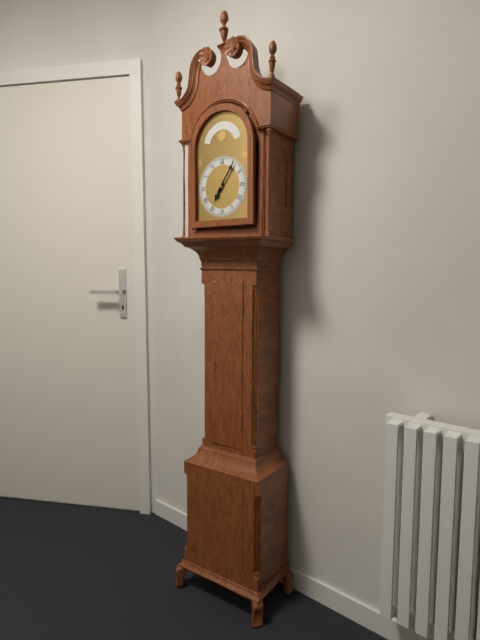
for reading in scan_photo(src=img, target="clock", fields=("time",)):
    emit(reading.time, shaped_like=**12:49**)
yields **7:06**
